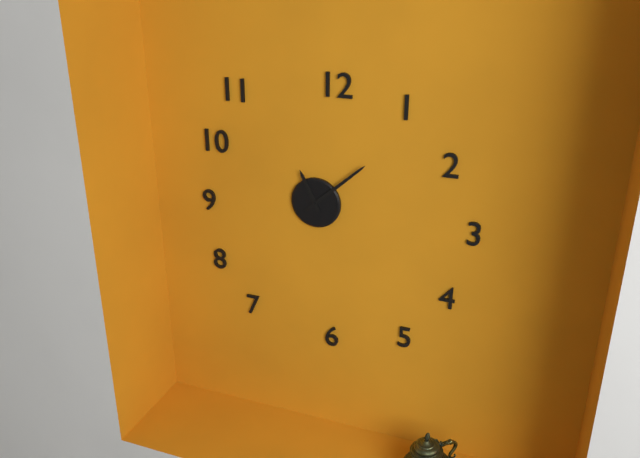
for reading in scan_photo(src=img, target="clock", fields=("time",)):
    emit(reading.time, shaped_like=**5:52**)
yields **11:08**
